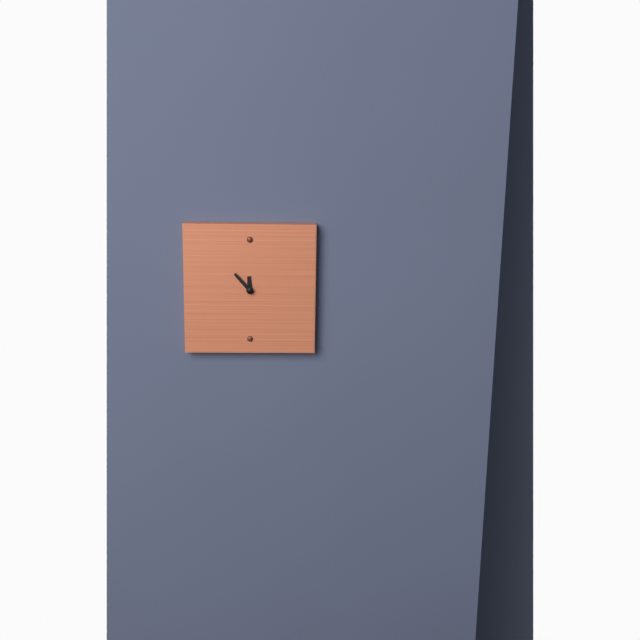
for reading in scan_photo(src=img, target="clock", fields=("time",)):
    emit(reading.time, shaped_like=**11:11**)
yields **11:53**
